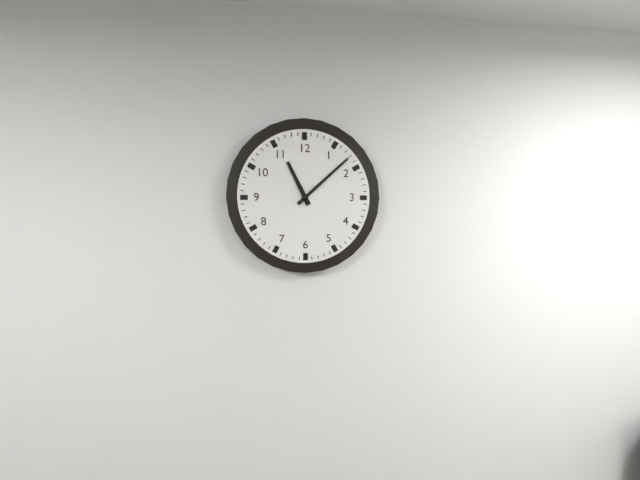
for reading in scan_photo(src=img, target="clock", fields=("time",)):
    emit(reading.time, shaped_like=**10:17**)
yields **11:08**
